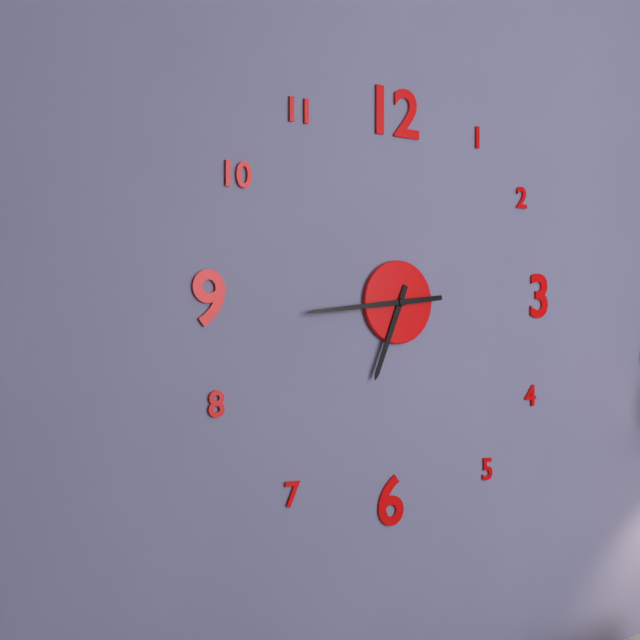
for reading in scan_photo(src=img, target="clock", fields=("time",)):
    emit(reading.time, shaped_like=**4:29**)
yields **6:44**
